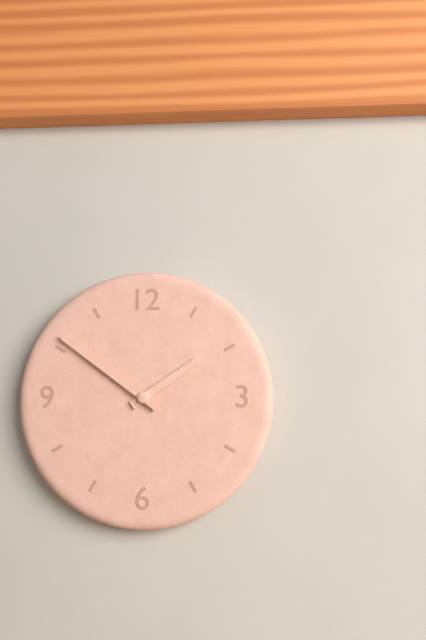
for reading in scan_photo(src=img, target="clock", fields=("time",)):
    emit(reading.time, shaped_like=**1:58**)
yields **1:51**
